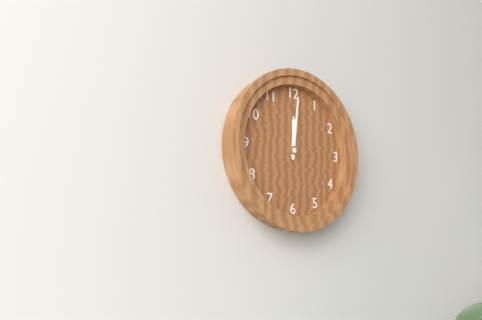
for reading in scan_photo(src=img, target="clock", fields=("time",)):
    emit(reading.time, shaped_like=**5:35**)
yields **12:01**
